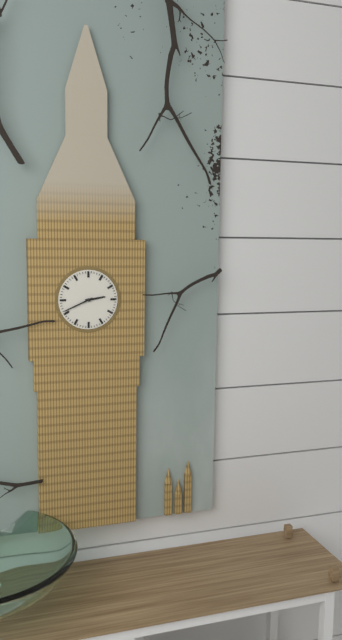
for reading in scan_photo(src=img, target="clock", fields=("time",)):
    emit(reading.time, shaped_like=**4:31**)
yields **2:41**
